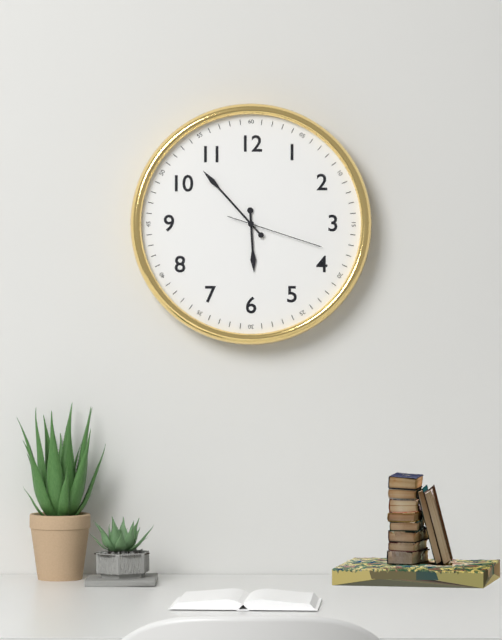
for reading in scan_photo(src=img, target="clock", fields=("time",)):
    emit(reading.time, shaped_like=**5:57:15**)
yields **5:53:18**
